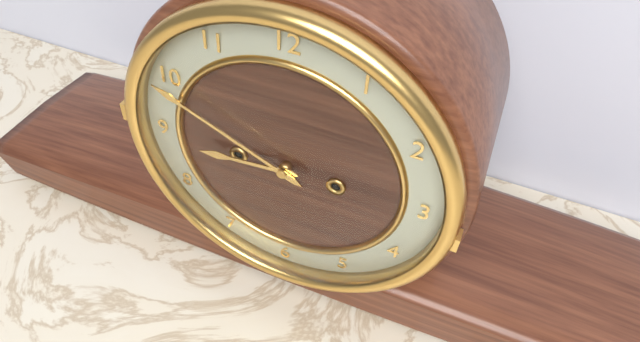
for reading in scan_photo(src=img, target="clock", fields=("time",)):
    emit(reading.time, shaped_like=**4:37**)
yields **8:49**
